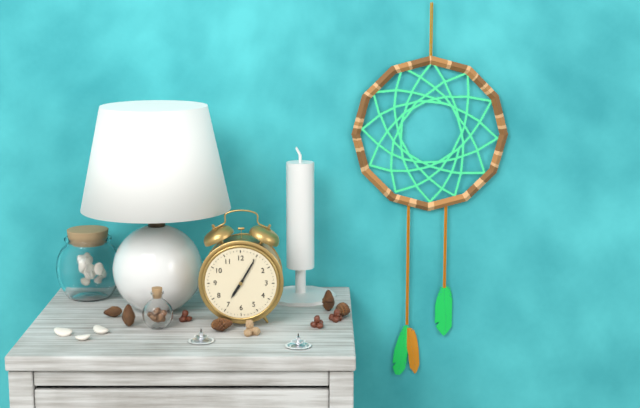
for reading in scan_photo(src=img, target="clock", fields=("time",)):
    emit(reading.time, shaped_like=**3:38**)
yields **7:05**
